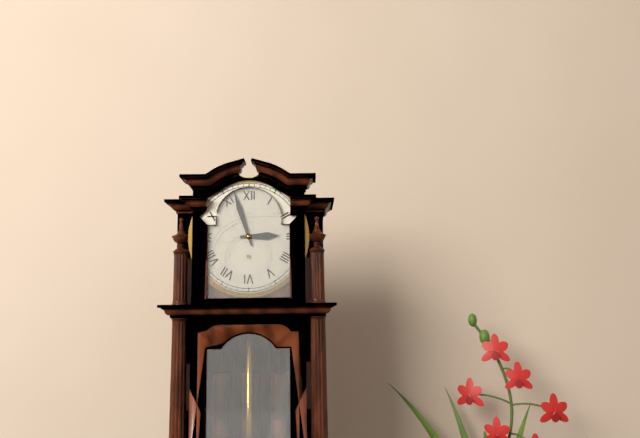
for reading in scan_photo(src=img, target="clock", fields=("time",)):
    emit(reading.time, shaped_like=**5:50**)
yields **2:57**
